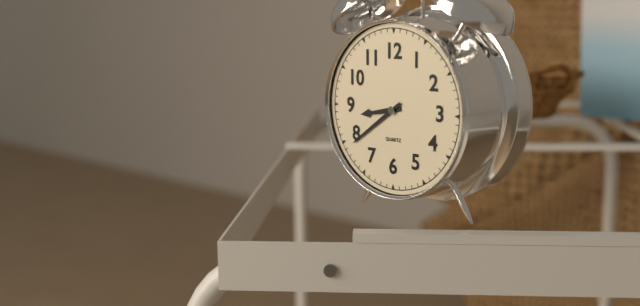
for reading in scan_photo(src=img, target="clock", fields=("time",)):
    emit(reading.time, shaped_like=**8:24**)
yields **8:39**
